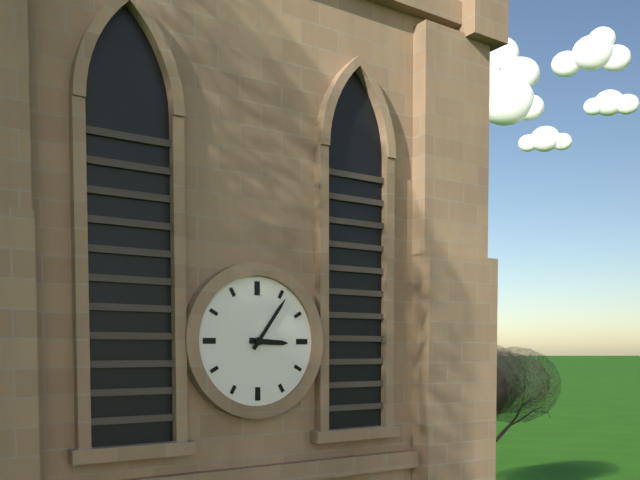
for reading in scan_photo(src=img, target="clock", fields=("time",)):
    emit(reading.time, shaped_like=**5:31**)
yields **3:06**
